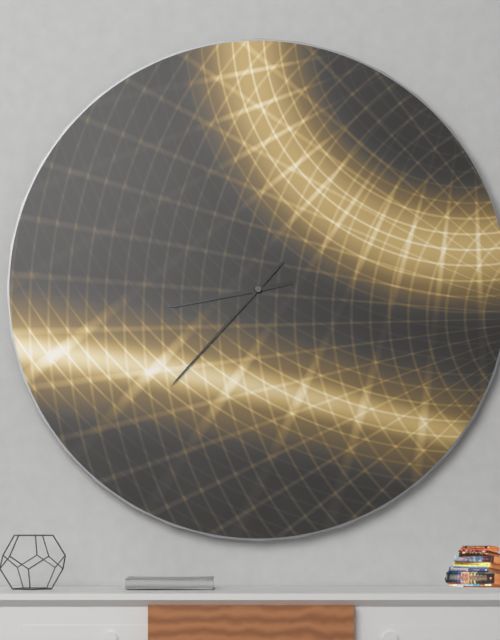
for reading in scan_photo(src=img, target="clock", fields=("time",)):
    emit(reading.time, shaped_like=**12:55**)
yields **8:37**
